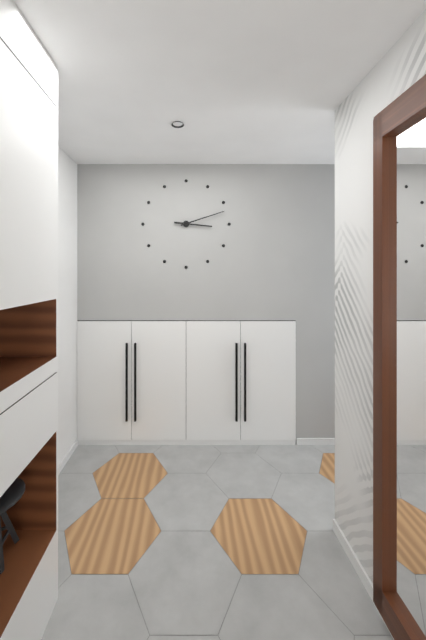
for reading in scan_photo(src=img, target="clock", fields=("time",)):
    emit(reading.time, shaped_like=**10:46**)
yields **3:12**
